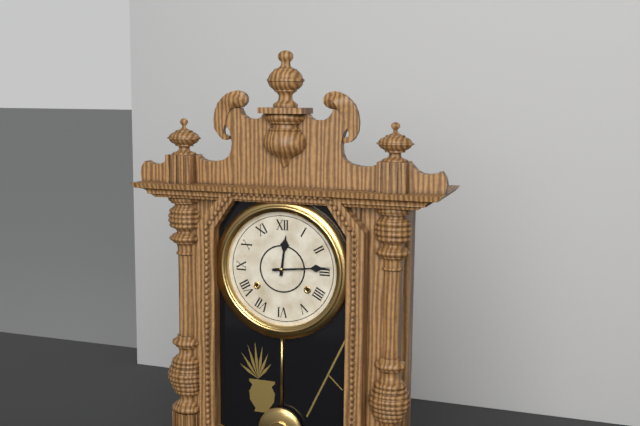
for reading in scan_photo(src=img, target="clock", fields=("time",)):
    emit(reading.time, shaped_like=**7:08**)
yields **12:14**
